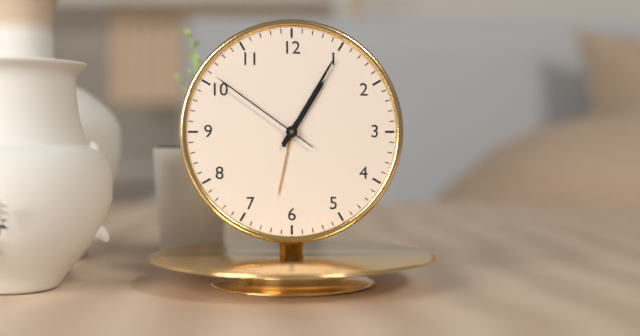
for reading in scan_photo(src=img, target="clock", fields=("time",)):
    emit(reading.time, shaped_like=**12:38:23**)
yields **1:05:51**
